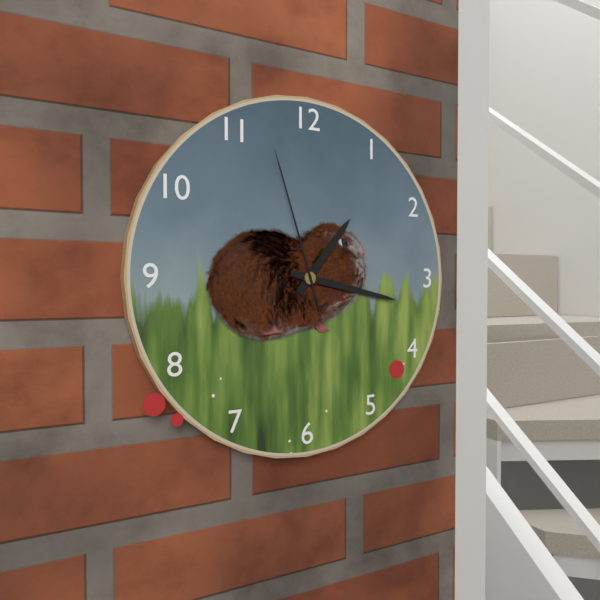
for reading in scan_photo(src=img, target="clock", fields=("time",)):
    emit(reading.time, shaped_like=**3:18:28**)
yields **1:17:57**
